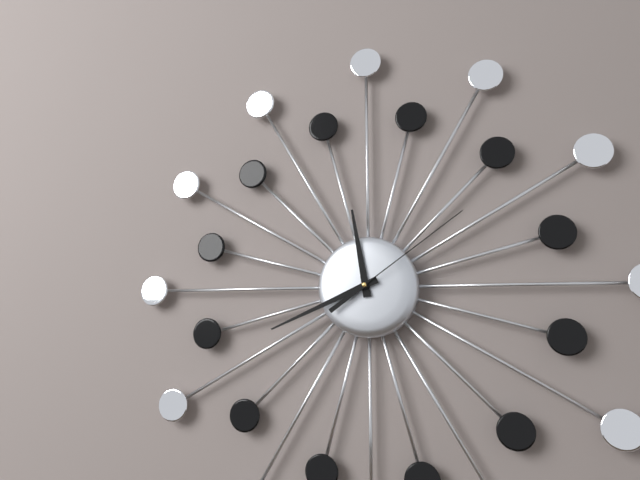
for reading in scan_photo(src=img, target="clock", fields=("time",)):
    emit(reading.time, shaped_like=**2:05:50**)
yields **11:41:09**
